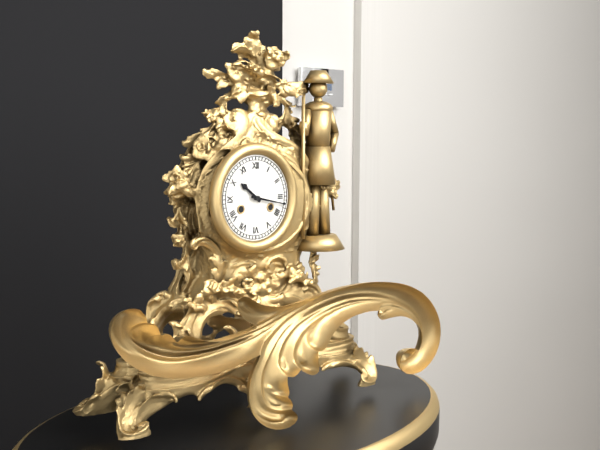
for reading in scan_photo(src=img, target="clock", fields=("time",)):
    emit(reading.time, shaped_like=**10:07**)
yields **10:17**
